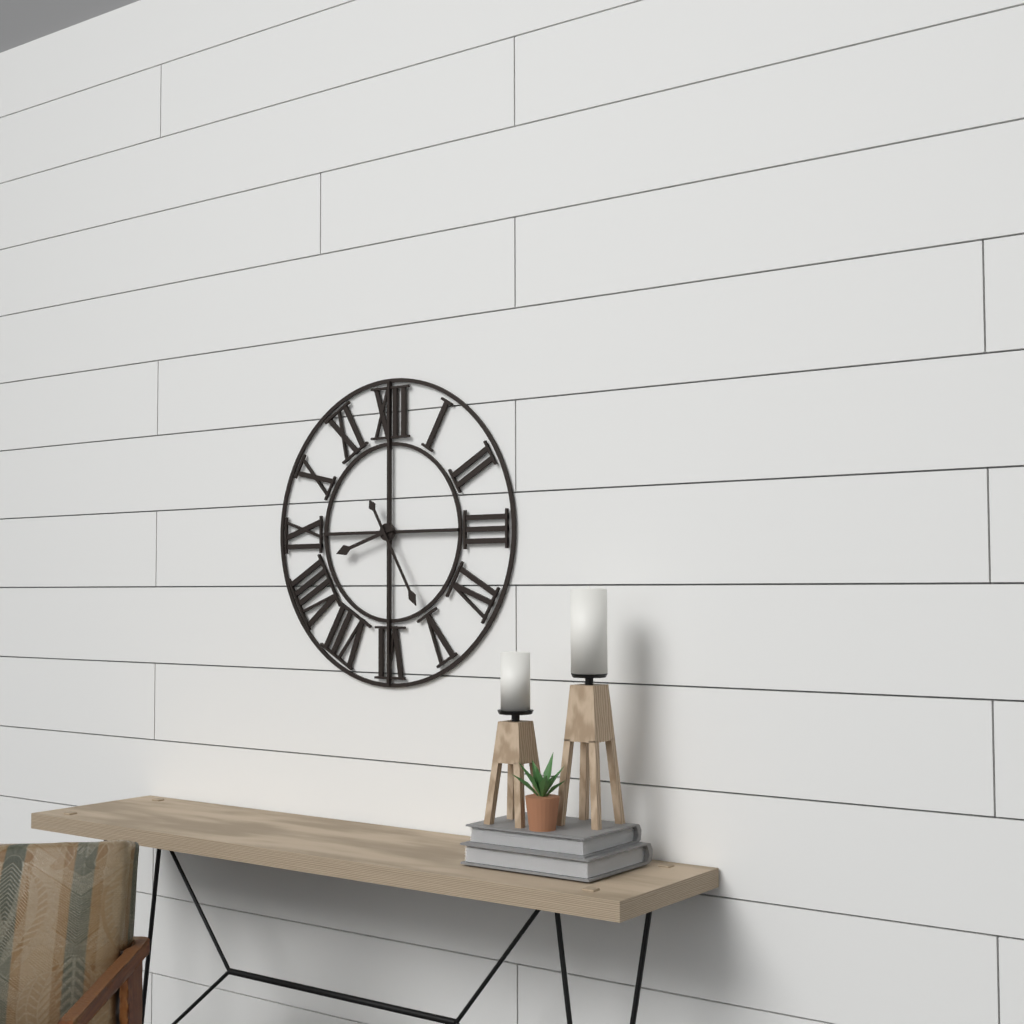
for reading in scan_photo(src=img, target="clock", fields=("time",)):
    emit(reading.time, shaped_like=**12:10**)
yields **8:25**
